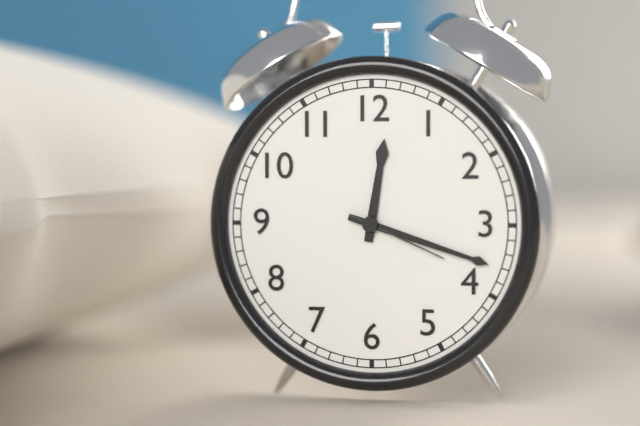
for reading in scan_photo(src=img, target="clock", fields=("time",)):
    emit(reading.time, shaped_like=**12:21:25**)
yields **12:18:19**
